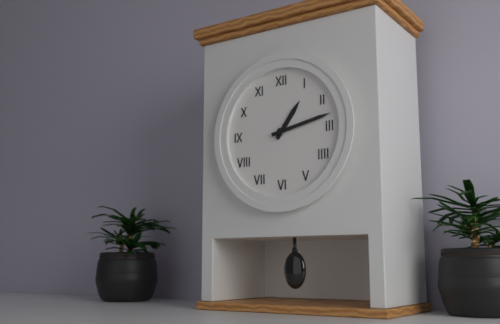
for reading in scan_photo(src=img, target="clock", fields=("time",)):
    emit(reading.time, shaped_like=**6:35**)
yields **1:13**
